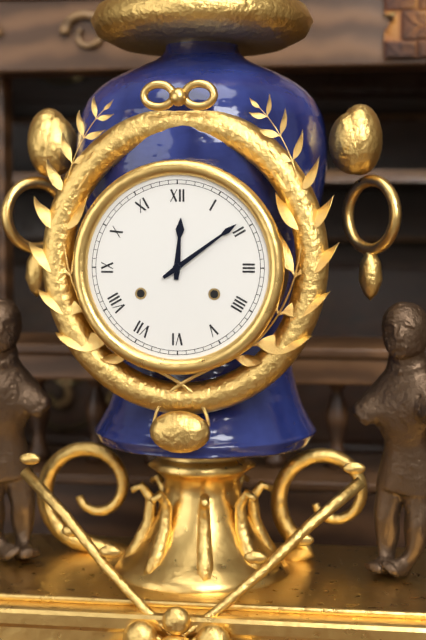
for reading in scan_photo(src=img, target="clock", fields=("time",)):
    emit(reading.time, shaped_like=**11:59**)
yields **12:09**
